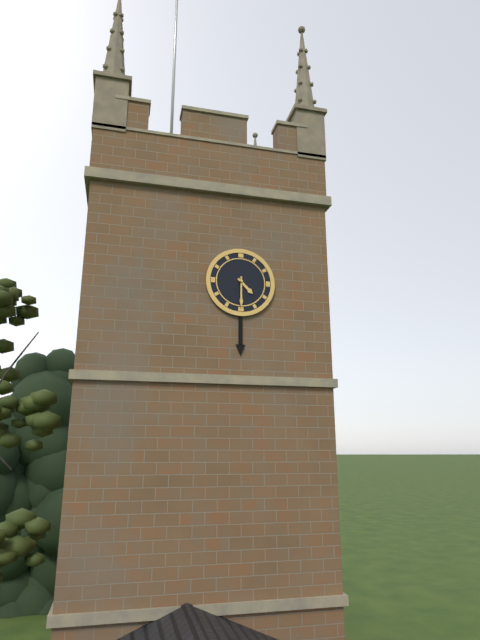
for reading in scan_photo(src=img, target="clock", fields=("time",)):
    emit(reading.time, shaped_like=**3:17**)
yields **4:30**
